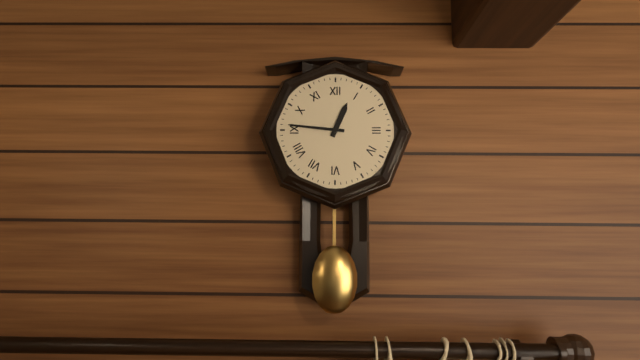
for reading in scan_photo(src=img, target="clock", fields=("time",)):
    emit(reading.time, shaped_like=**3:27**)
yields **12:46**
